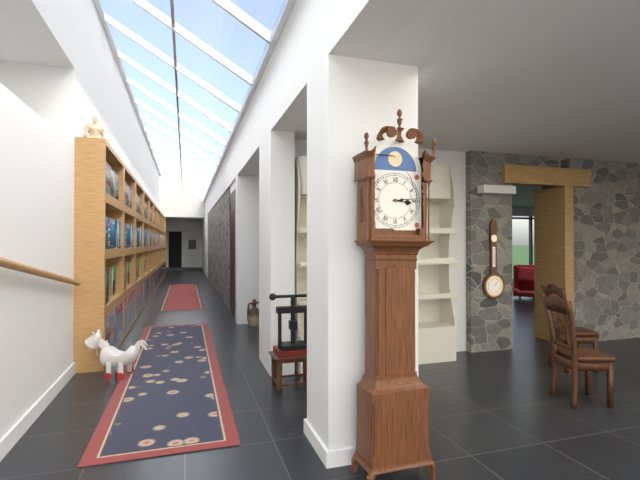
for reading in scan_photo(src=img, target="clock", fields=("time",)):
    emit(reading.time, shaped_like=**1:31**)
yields **3:14**
